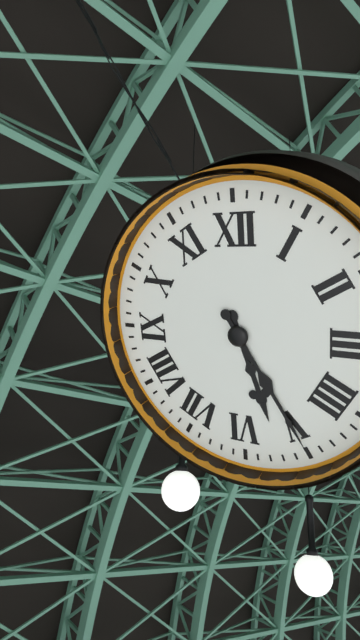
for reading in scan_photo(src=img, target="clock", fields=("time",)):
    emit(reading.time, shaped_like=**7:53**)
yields **5:25**
